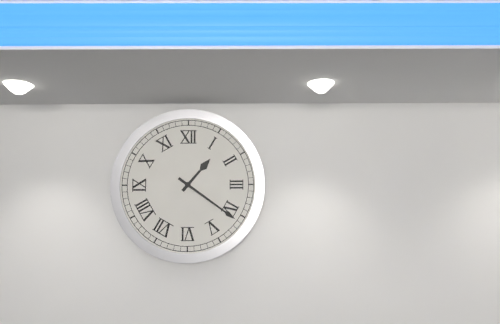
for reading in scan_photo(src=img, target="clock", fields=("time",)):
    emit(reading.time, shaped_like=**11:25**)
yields **1:21**
